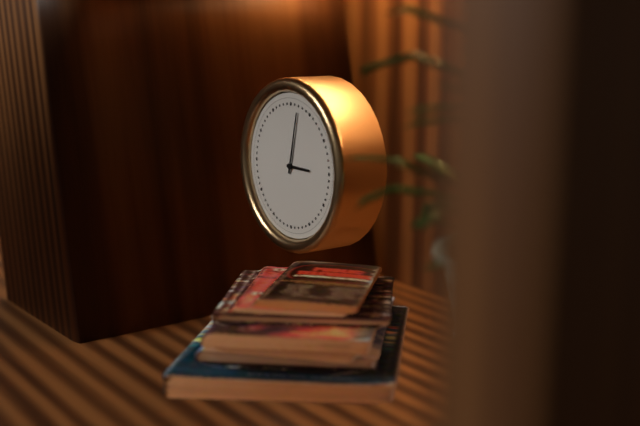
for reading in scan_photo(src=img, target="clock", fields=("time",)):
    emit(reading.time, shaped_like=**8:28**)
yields **3:02**
